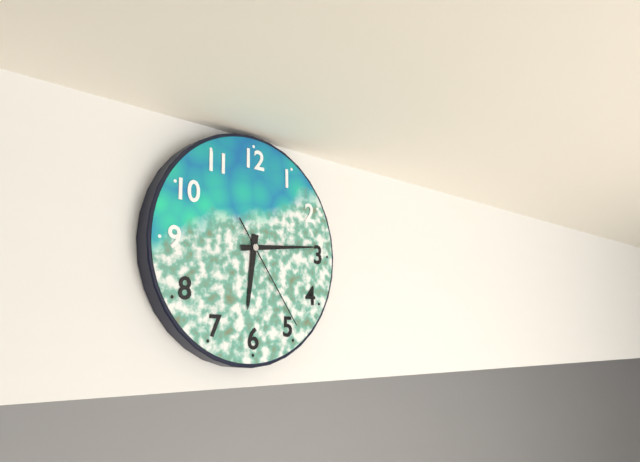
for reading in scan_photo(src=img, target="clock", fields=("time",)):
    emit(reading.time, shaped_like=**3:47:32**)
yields **6:14:24**
